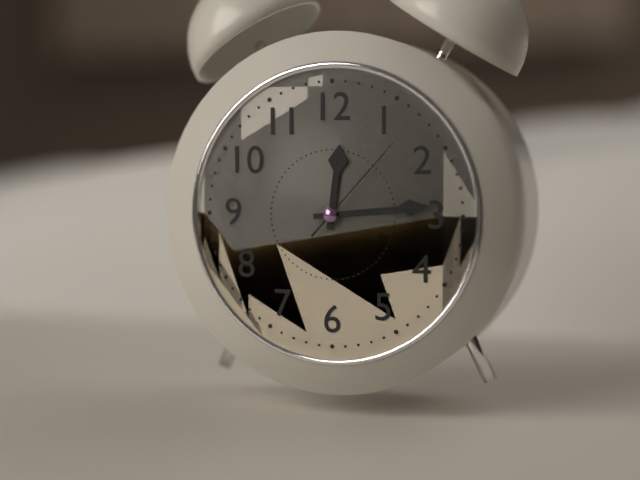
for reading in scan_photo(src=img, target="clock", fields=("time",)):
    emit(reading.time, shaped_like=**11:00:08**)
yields **12:14:07**
